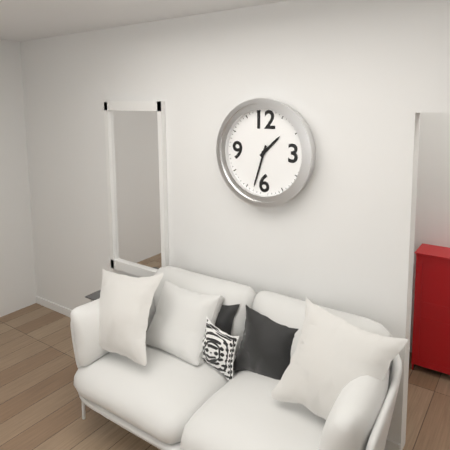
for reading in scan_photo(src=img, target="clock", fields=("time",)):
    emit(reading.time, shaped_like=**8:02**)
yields **1:33**
